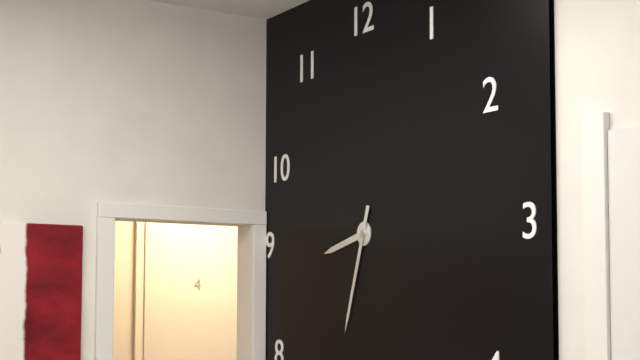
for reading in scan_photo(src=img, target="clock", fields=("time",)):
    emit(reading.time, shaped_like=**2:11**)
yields **8:33**
